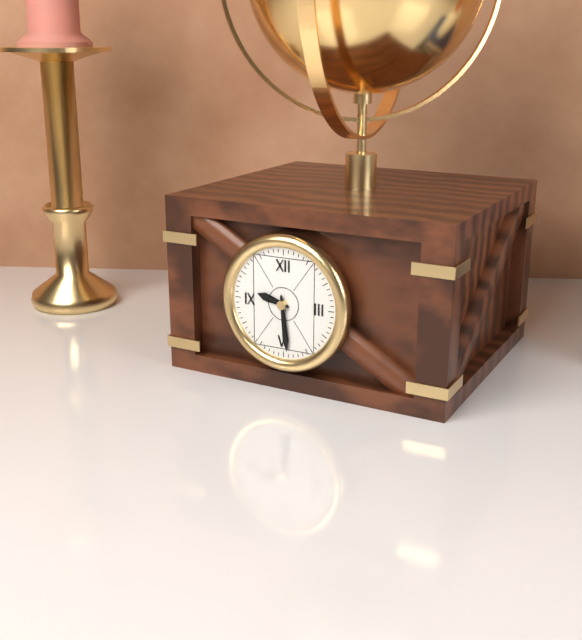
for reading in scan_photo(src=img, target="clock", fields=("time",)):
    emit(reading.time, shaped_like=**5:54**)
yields **9:29**
